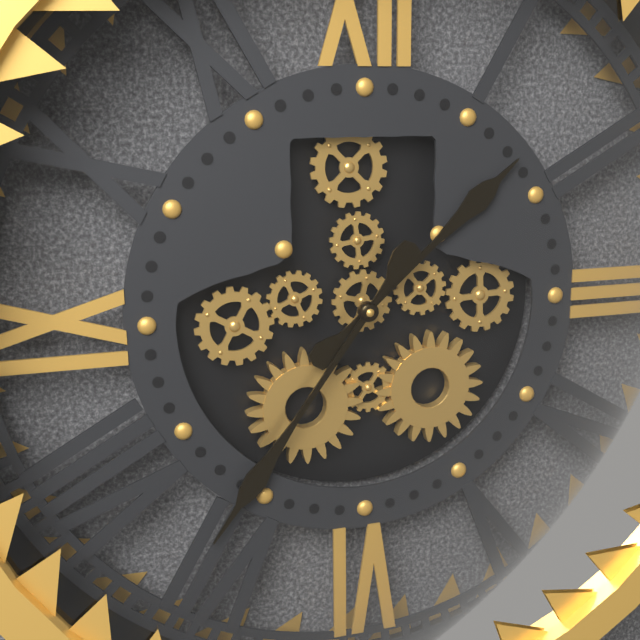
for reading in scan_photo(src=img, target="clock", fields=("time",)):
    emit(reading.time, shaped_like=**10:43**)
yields **1:36**
